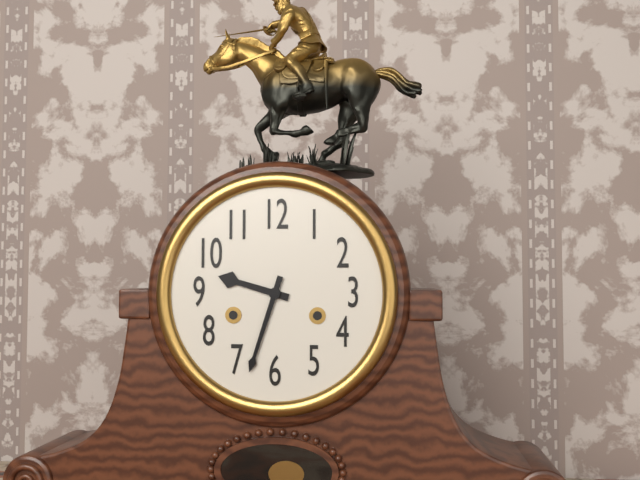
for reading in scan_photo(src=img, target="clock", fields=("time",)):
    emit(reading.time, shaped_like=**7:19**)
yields **9:33**
